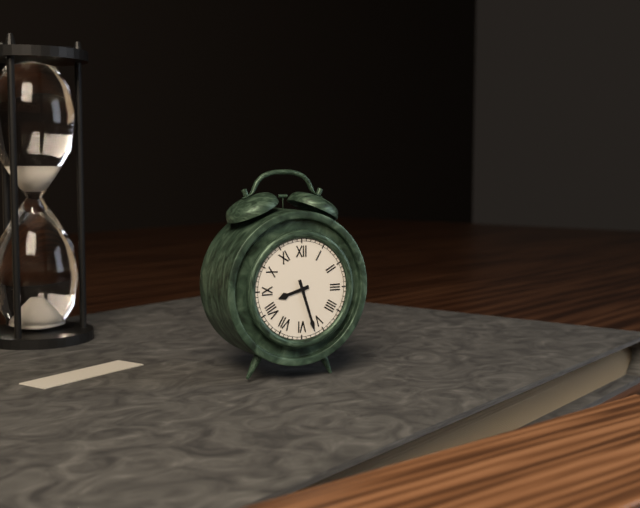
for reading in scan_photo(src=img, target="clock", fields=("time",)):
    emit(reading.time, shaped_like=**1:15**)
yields **8:27**
